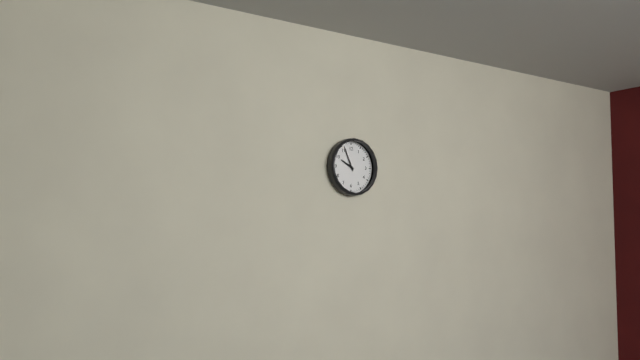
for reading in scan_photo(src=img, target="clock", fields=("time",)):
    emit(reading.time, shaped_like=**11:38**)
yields **9:56**
